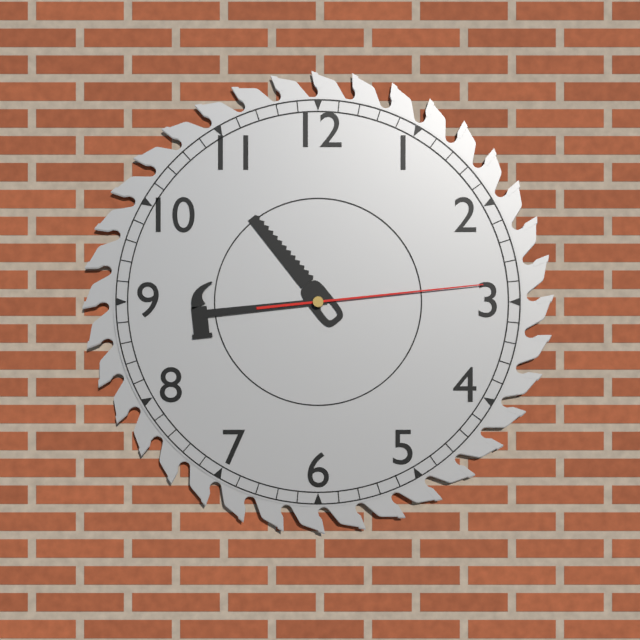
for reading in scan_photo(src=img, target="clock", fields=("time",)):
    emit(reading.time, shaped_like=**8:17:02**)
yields **10:44:14**
